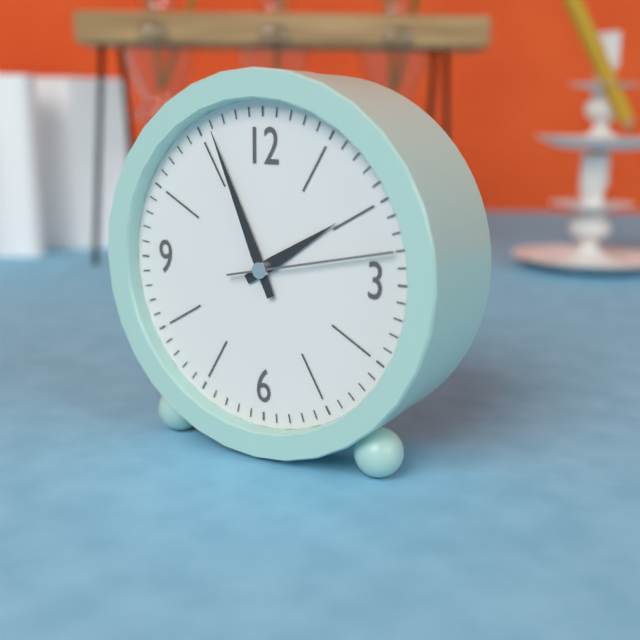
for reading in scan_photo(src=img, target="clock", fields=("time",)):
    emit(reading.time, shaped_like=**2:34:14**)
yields **1:56:13**
